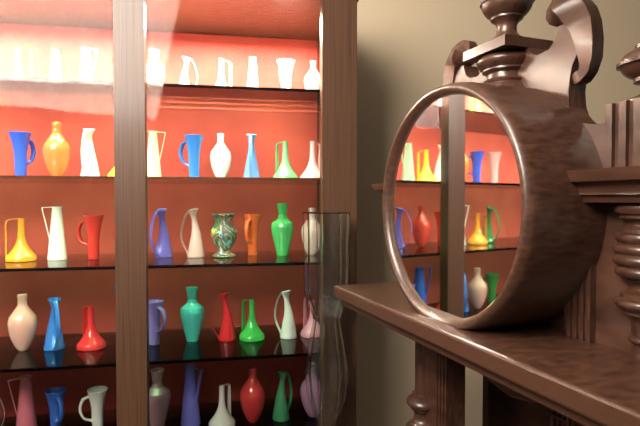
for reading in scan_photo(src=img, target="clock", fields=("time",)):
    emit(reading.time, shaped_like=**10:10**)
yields **11:16**
